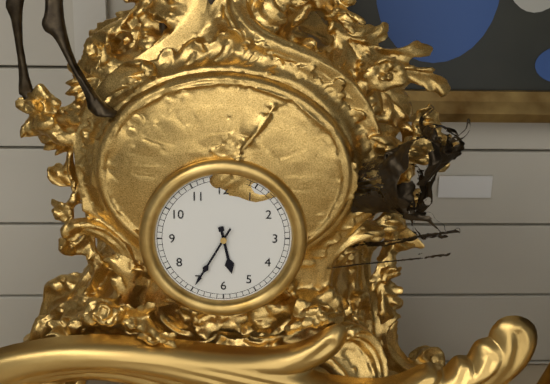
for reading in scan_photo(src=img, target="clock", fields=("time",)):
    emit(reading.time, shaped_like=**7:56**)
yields **5:35**
